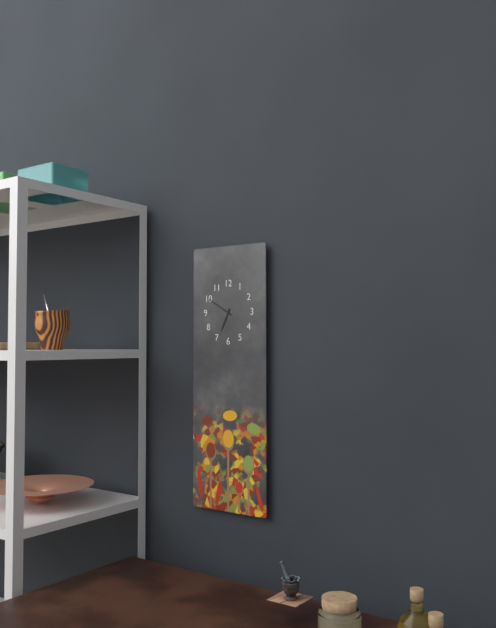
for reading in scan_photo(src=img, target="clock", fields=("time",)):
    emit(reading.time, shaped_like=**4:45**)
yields **6:50**
